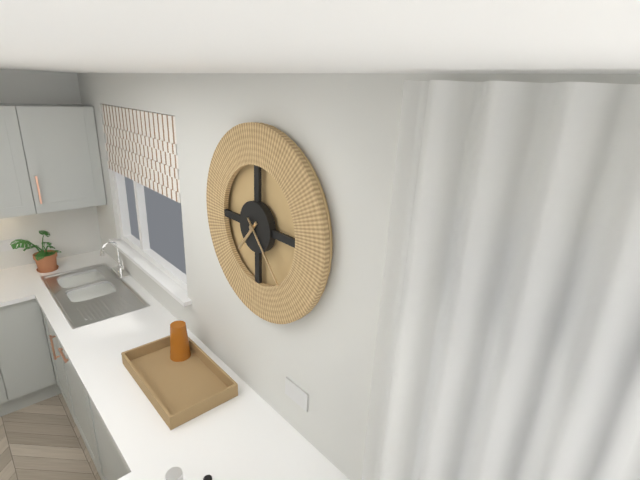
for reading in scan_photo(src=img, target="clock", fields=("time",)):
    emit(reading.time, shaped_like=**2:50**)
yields **7:23**
